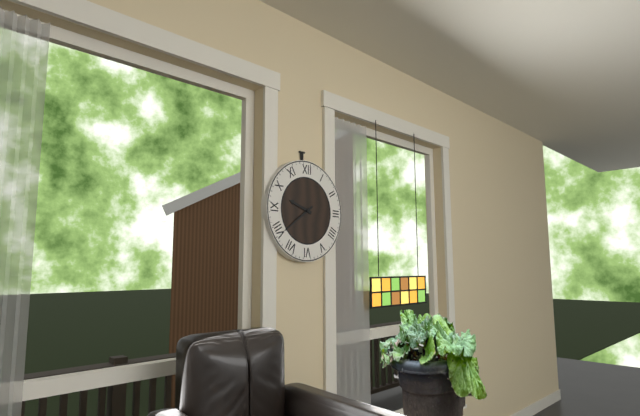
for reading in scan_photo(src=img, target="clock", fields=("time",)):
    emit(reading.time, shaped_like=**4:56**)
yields **9:39**
